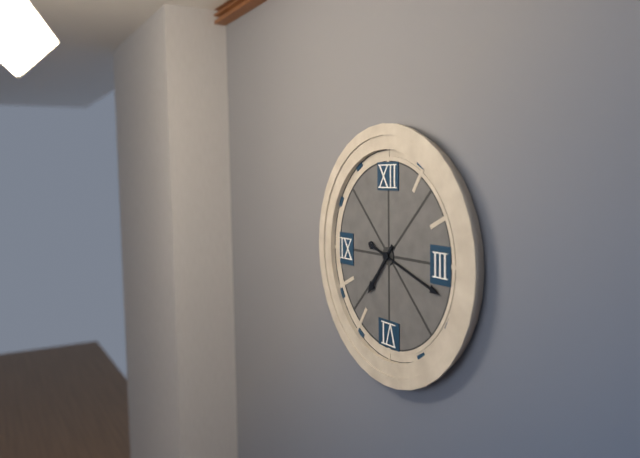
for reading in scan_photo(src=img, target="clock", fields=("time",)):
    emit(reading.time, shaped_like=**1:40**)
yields **7:18**
